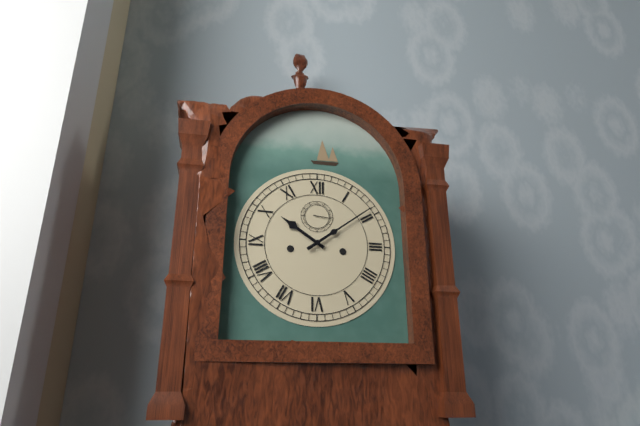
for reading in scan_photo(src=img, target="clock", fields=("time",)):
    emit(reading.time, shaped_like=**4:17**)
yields **10:09**
